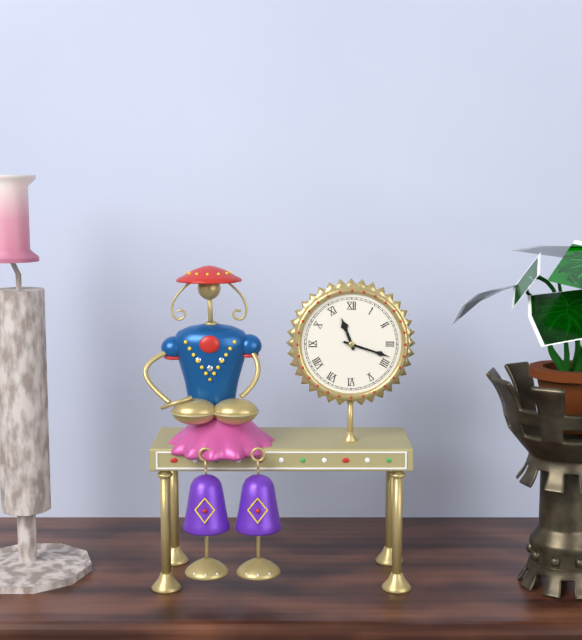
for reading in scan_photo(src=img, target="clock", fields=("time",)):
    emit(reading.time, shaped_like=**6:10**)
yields **11:18**
